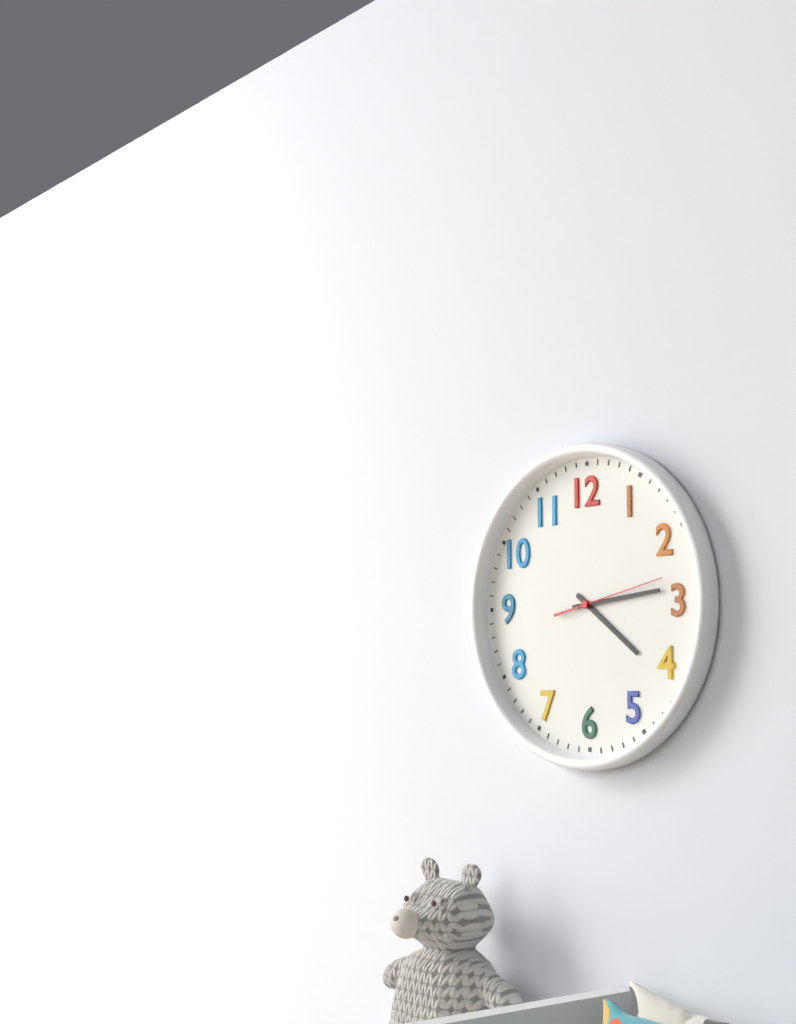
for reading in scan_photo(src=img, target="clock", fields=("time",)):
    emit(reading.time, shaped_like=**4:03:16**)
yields **4:14:13**
